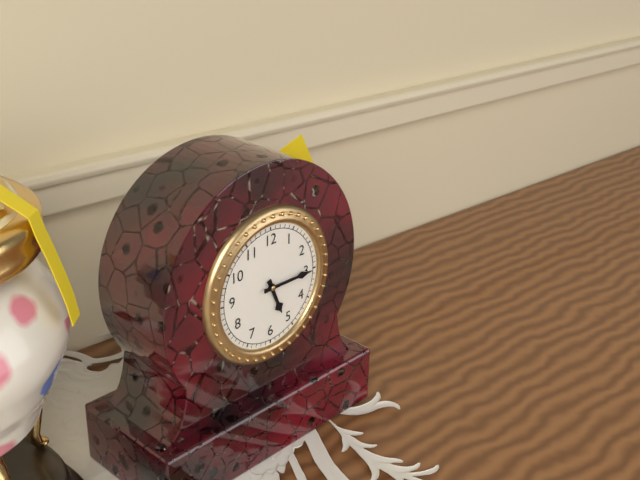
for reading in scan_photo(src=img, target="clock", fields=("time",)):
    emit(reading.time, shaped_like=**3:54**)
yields **5:15**
